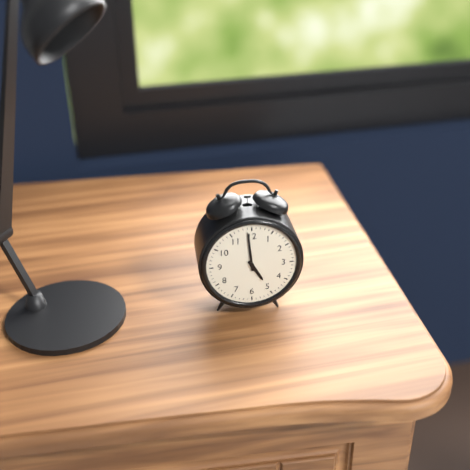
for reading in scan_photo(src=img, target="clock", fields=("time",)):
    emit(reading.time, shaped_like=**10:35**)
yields **4:59**
